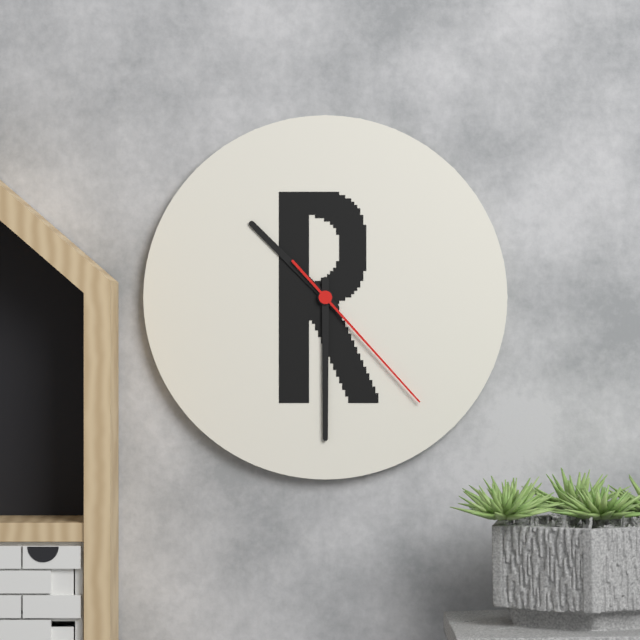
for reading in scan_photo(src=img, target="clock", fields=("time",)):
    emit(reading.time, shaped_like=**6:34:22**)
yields **10:30:23**
